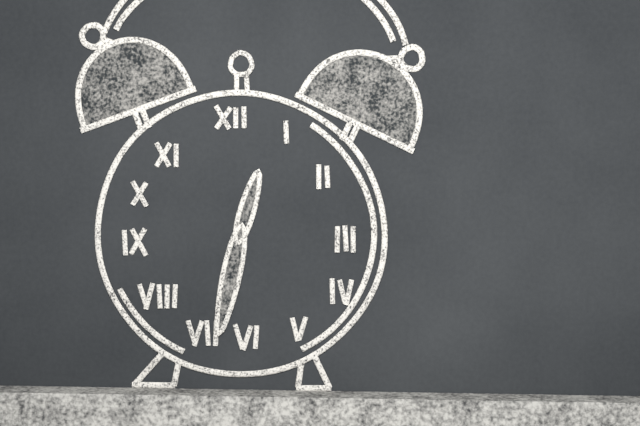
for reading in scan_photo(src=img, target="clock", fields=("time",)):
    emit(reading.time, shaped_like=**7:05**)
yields **12:32**
